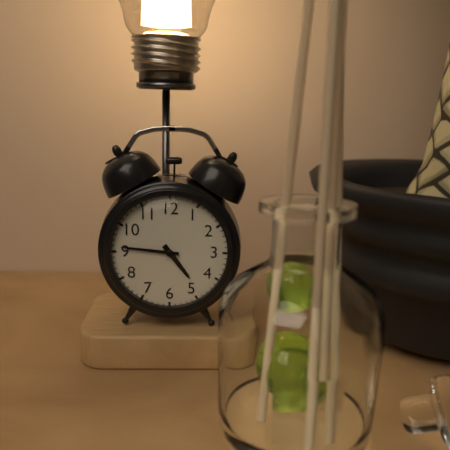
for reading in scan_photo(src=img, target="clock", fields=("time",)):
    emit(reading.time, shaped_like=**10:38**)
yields **4:46**
